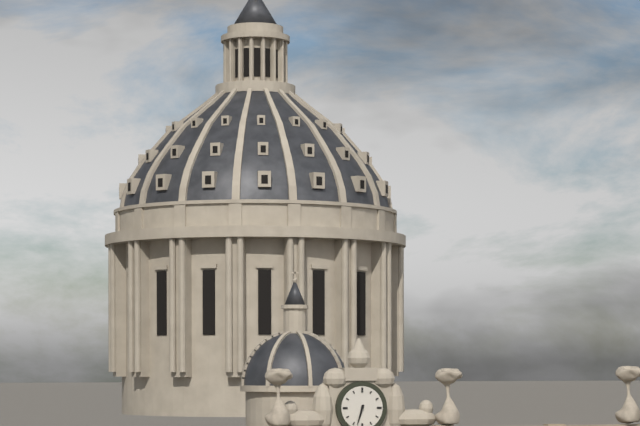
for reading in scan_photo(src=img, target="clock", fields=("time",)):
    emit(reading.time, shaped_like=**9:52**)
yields **6:33**
